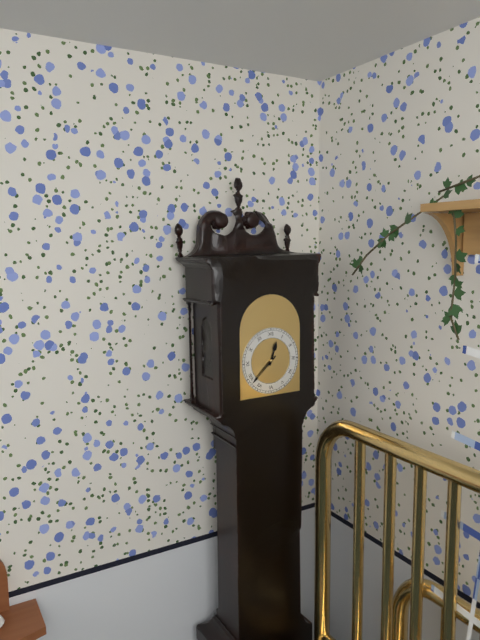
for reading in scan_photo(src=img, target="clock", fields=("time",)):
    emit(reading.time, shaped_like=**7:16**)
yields **12:38**
